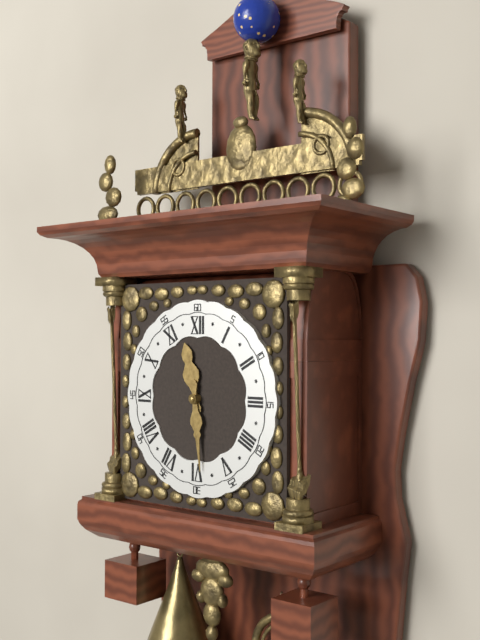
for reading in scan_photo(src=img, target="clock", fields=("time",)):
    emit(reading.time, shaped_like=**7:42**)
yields **11:29**
